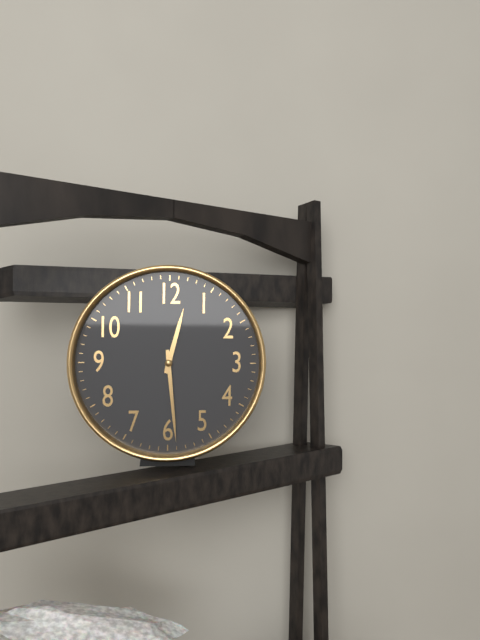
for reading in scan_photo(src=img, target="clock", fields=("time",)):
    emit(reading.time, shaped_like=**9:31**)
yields **12:29**
